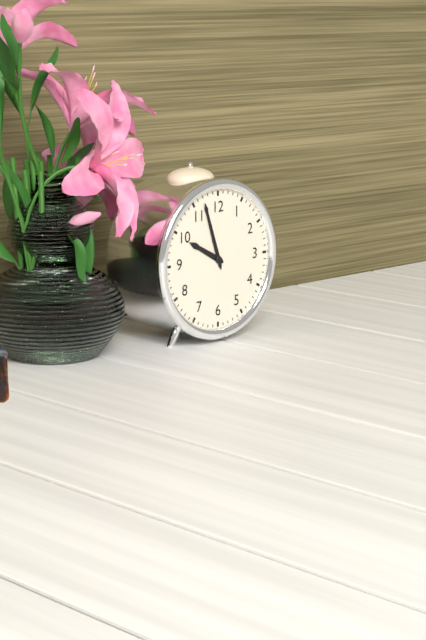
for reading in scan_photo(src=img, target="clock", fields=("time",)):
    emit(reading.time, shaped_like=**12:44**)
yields **9:57**
